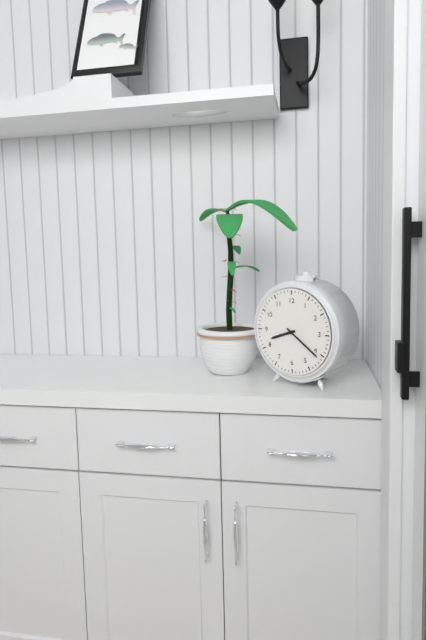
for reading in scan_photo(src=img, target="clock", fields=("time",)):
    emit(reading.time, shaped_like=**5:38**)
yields **8:21**
